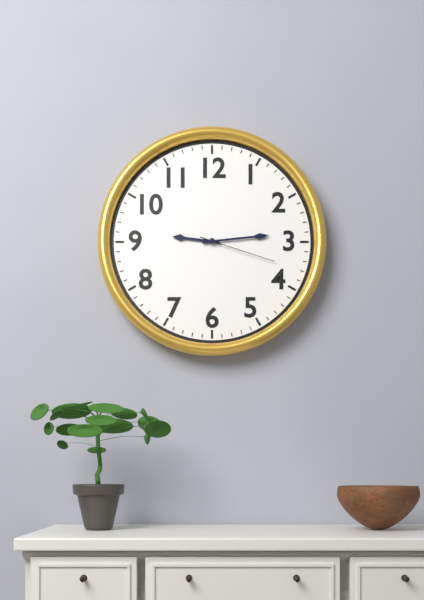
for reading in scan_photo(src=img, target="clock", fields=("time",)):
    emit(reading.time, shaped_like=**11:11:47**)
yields **9:14:18**
